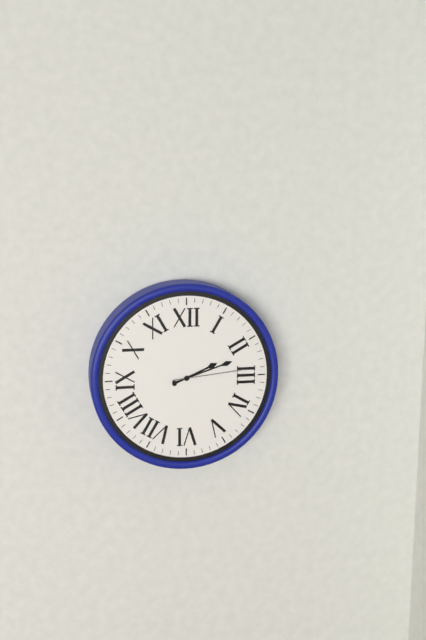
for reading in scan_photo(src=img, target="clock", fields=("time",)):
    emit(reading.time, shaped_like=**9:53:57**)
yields **2:12:14**
